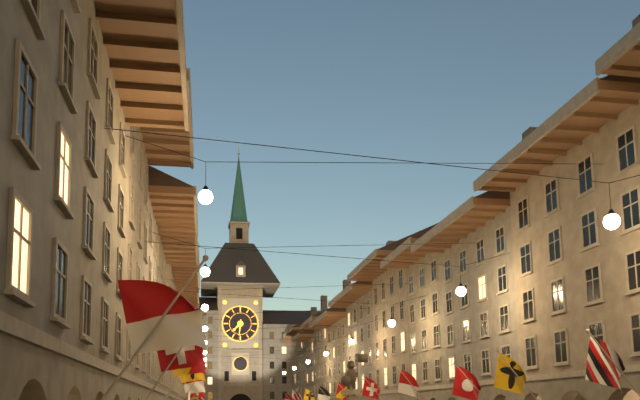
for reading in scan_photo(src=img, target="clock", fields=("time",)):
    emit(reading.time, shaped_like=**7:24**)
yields **7:31**
